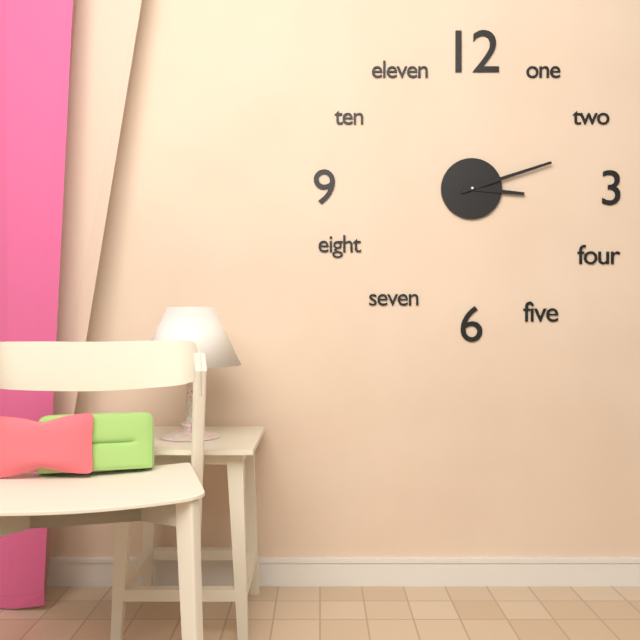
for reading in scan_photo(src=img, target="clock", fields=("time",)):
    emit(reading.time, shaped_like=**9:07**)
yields **3:12**
